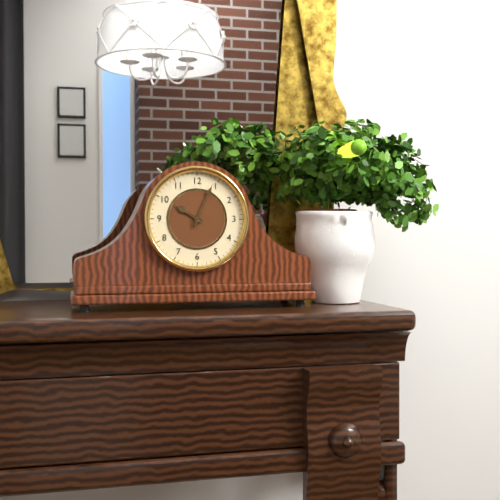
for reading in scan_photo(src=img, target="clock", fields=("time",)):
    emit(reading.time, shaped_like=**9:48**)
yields **10:04**
